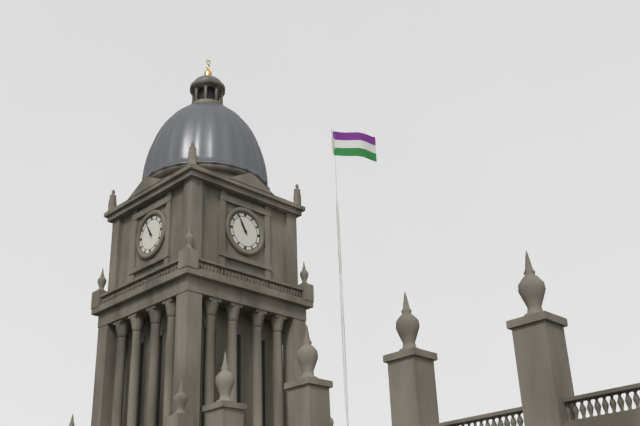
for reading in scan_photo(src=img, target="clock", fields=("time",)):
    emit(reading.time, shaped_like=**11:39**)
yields **10:55**
